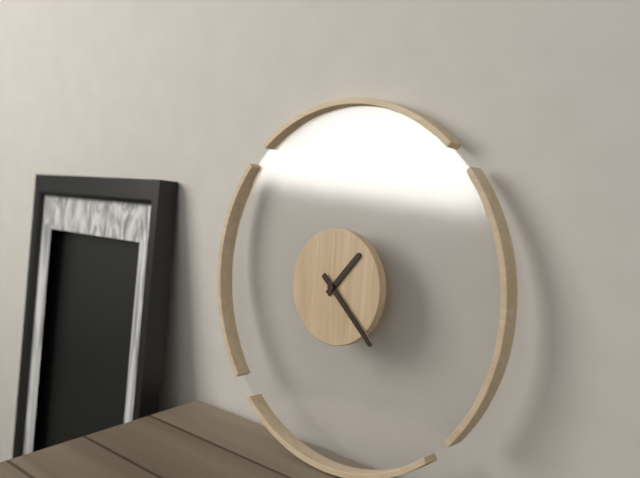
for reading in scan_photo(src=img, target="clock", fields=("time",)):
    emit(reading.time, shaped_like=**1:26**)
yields **1:22**
